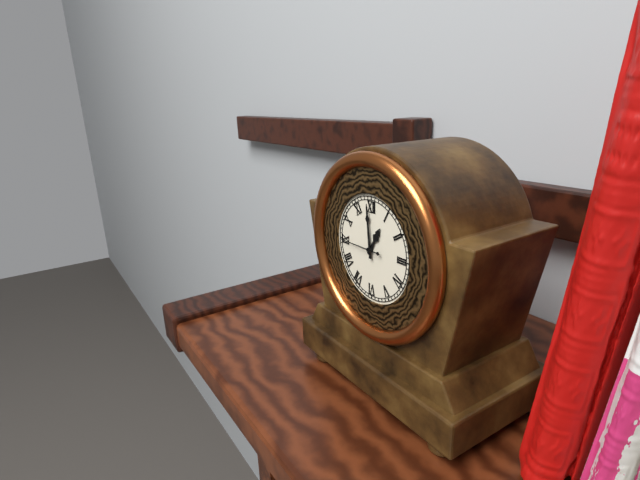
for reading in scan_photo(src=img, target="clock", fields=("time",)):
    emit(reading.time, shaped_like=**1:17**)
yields **12:59**
